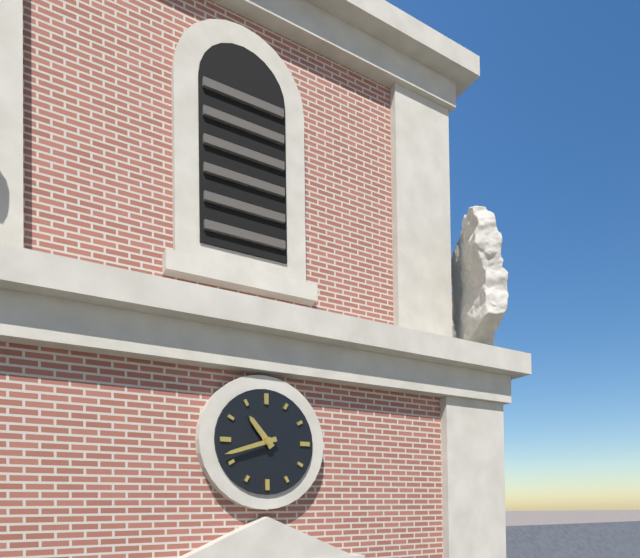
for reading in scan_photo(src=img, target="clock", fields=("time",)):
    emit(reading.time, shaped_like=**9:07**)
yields **10:42**
